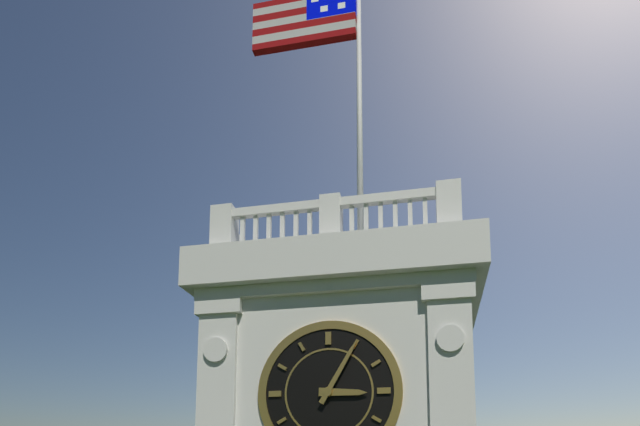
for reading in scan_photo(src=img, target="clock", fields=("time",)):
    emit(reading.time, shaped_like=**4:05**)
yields **3:05**
